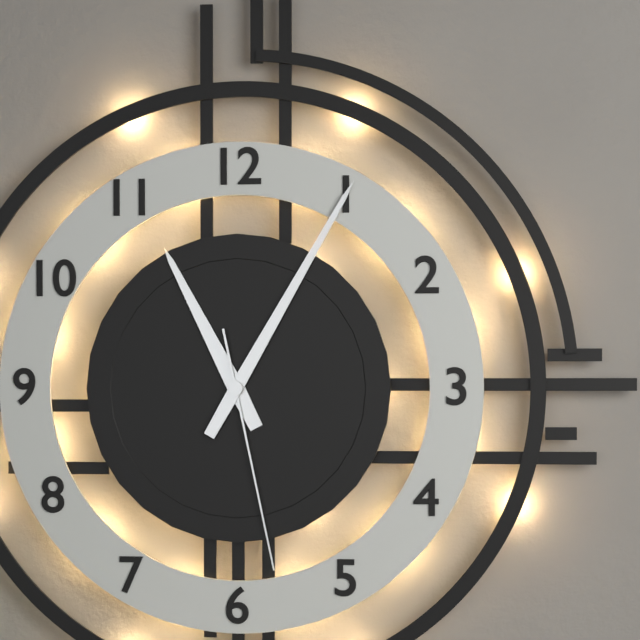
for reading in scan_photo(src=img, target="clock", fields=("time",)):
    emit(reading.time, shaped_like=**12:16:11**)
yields **11:05:28**
